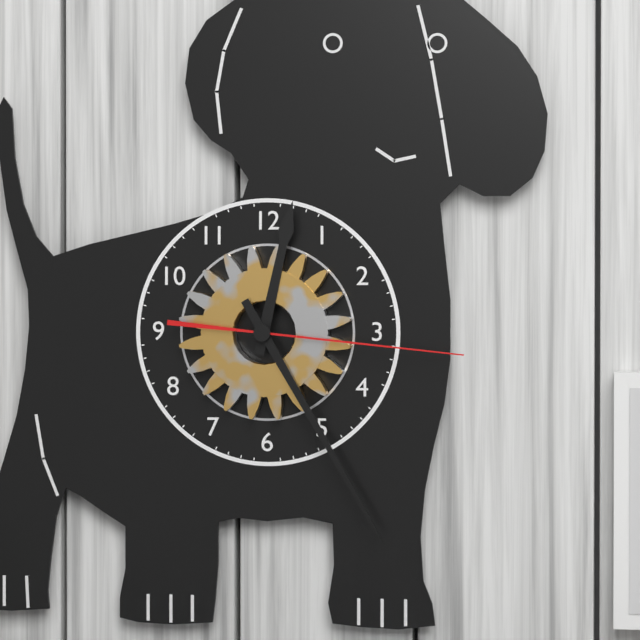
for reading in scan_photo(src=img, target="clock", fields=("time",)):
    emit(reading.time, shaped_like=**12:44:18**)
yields **12:25:16**
